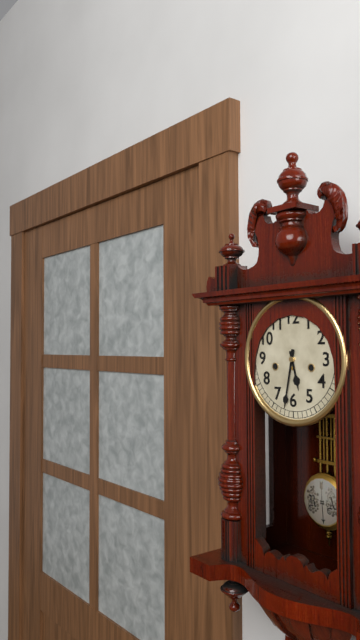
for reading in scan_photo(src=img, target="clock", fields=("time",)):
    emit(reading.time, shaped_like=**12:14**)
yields **5:32**
